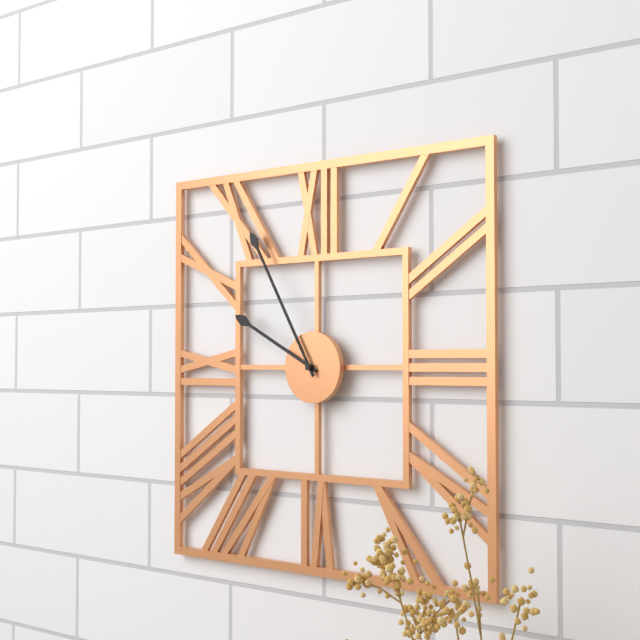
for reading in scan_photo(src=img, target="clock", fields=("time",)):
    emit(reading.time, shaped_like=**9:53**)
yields **9:55**
